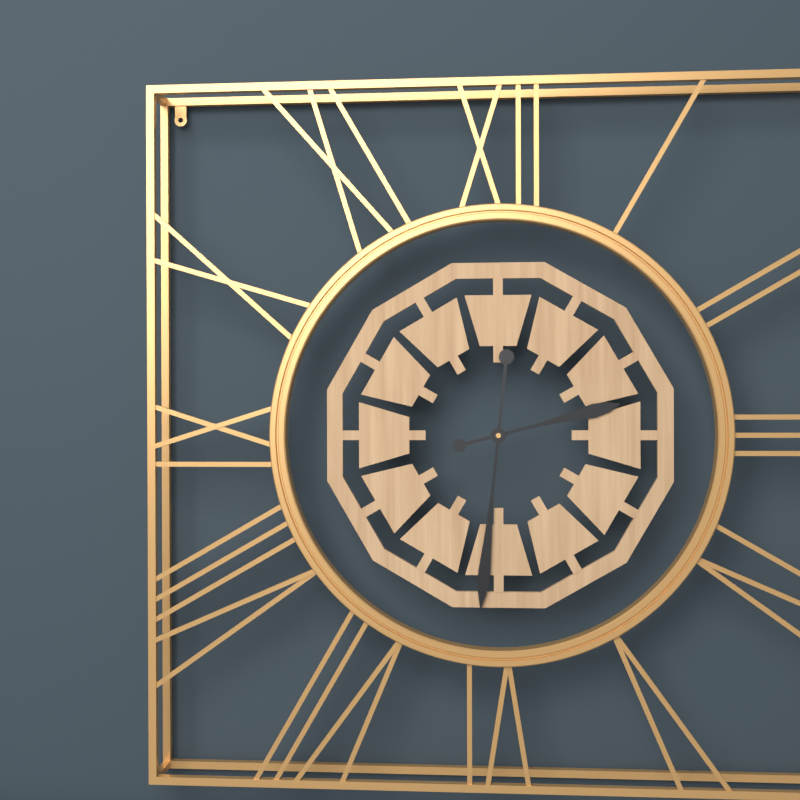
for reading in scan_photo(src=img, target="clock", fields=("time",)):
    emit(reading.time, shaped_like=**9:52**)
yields **2:31**
